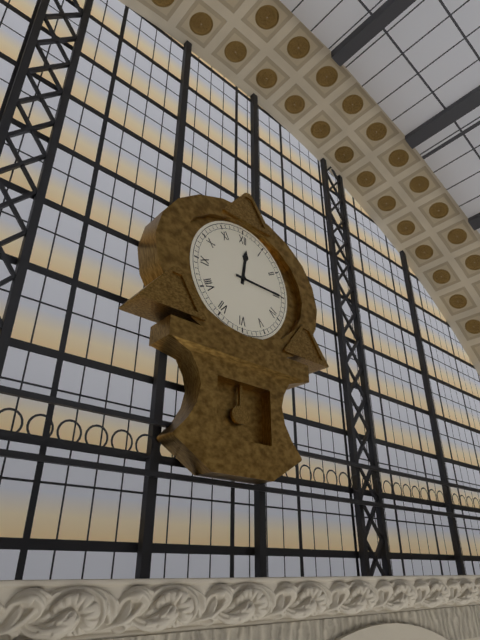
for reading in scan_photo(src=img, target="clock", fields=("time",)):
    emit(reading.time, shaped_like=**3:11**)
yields **12:15**
